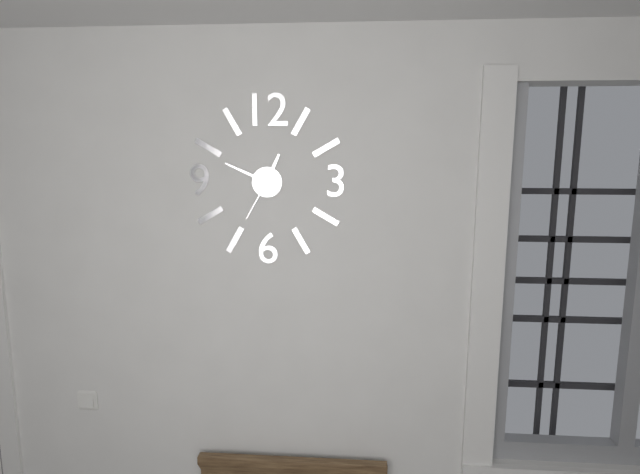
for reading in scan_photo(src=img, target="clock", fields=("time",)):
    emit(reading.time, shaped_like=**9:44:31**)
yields **12:49:35**
